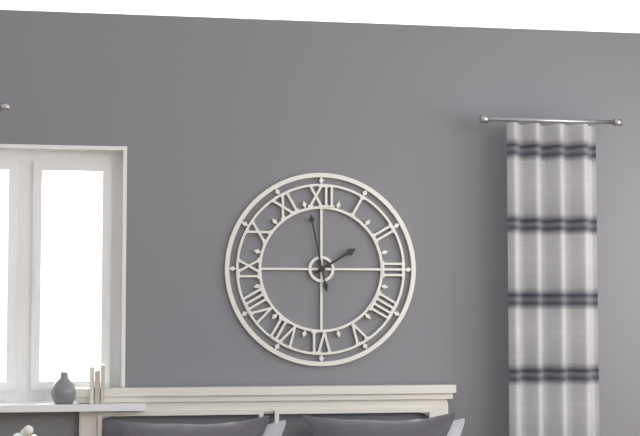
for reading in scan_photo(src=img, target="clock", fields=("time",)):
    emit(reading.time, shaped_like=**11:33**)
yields **1:58**
